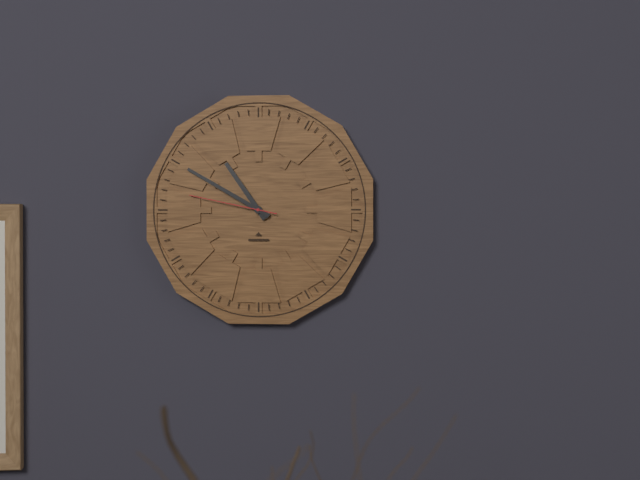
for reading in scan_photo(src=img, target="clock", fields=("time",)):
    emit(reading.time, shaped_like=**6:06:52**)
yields **10:50:47**
